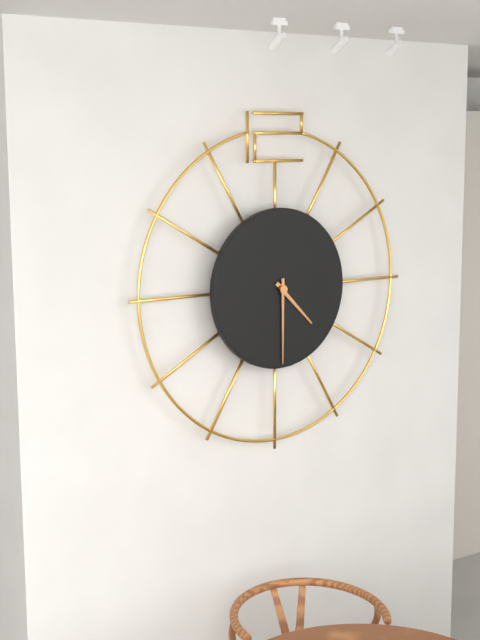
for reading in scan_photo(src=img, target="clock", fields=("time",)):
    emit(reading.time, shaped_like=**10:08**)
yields **4:30**
